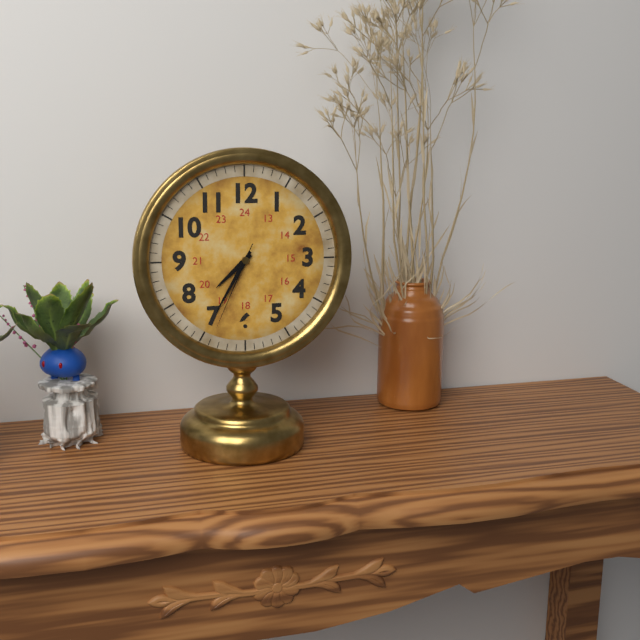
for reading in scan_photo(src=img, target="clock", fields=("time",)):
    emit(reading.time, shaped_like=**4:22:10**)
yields **7:35:34**
